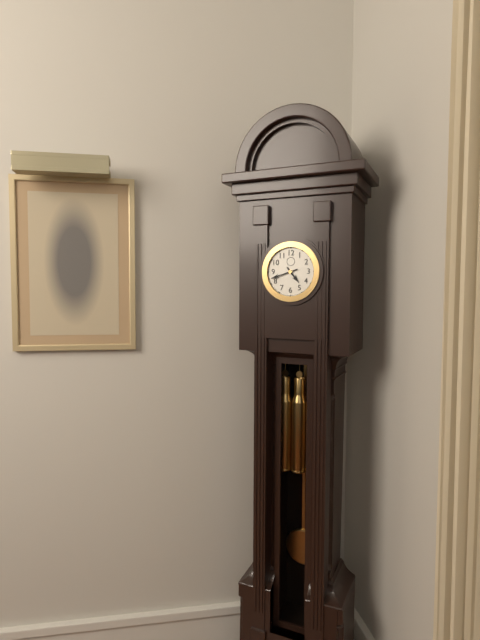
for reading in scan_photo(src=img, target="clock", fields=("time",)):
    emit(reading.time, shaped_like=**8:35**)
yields **4:42**
